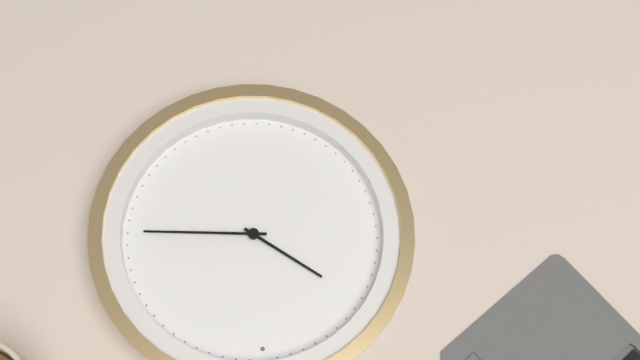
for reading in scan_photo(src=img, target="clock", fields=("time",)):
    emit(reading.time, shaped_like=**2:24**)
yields **10:16**
